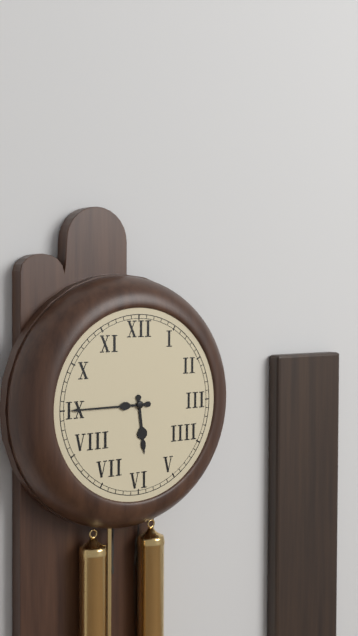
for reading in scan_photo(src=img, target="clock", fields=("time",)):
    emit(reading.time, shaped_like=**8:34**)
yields **5:45**
